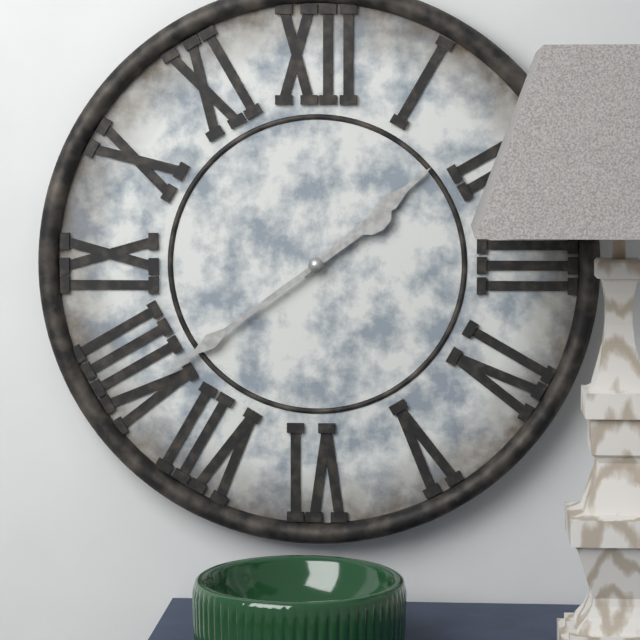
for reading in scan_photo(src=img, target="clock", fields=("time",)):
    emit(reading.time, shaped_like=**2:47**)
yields **1:39**
